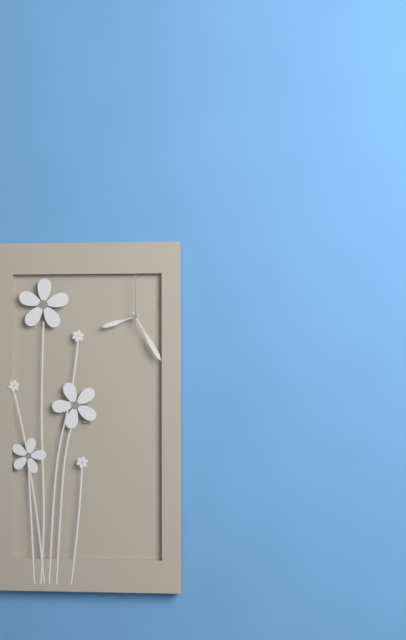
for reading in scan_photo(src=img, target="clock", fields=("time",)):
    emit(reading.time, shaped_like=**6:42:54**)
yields **8:25:00**
